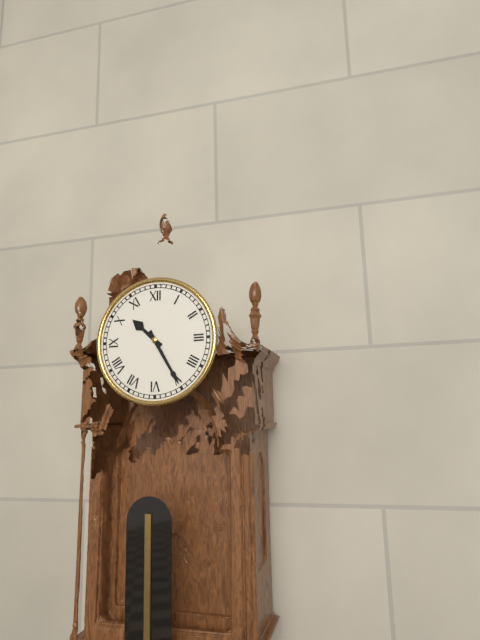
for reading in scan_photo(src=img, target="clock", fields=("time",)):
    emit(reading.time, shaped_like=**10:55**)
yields **10:25**
